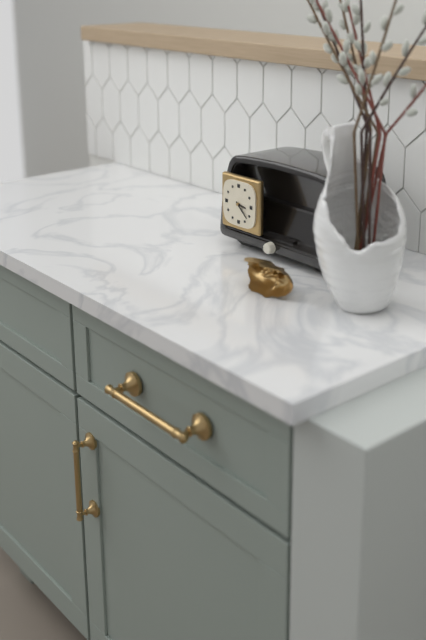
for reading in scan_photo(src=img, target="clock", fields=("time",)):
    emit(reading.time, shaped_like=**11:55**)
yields **3:22**
